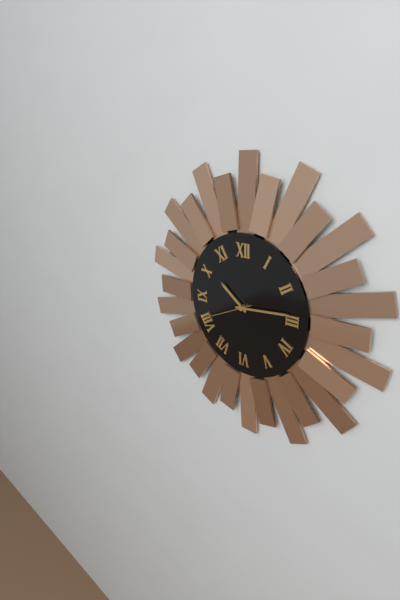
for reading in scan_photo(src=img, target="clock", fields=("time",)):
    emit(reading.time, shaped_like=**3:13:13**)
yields **10:14:41**
